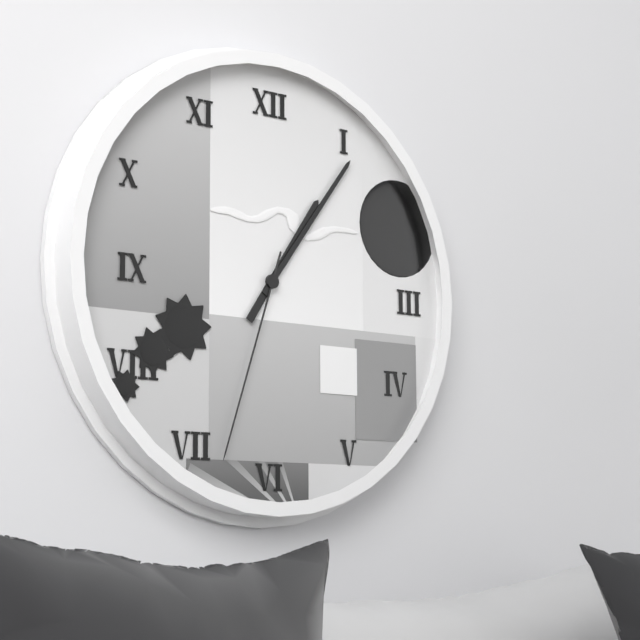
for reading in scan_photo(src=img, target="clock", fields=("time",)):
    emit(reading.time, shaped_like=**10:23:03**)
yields **1:06:33**
